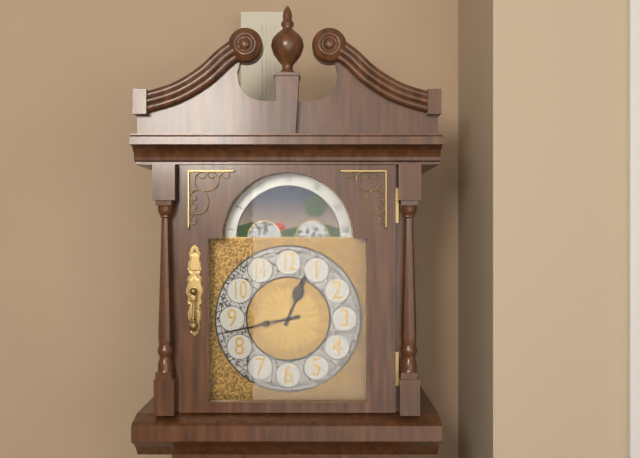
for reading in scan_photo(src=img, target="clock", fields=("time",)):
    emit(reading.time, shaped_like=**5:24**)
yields **12:43**
